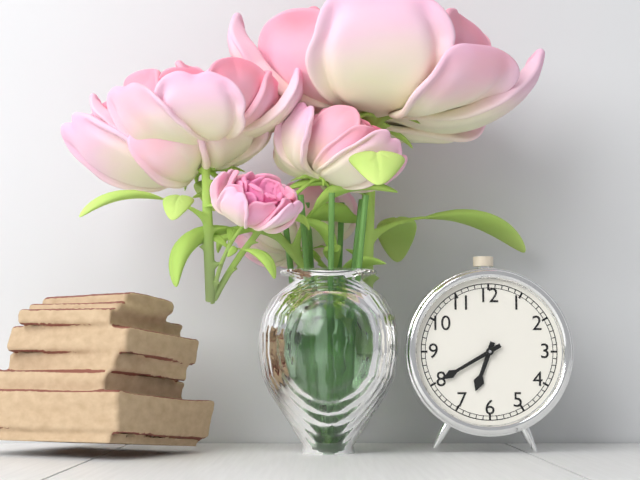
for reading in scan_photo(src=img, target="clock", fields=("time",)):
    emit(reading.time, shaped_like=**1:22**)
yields **6:40**
